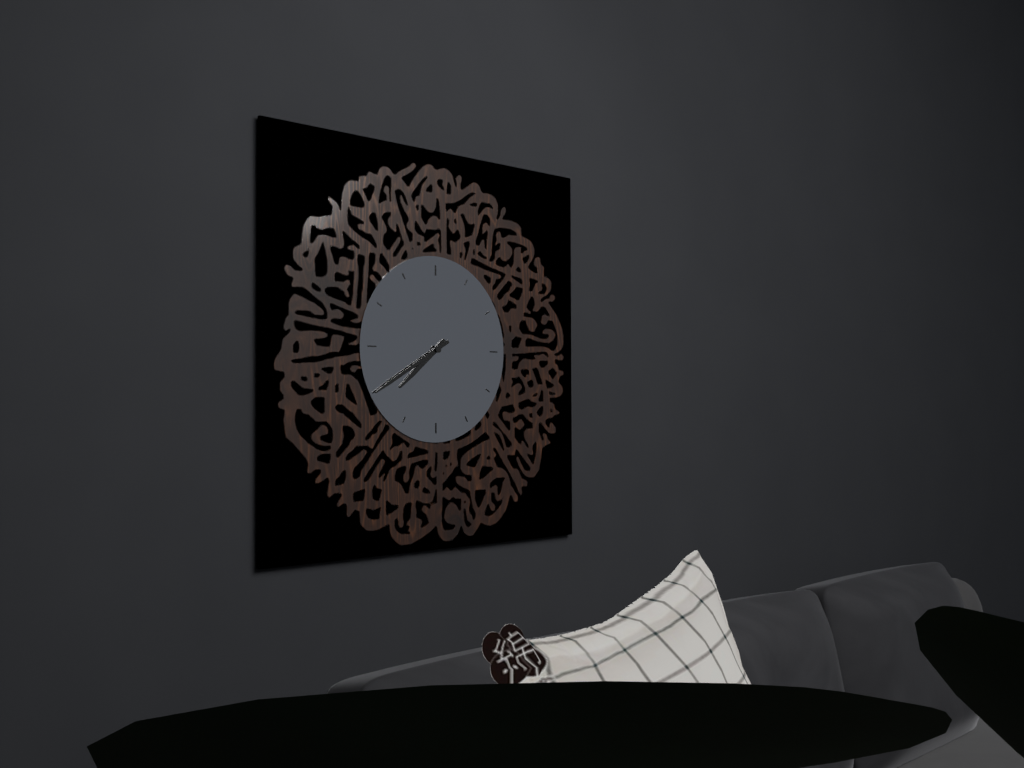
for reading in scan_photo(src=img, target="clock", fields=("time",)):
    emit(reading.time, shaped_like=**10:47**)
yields **7:40**
